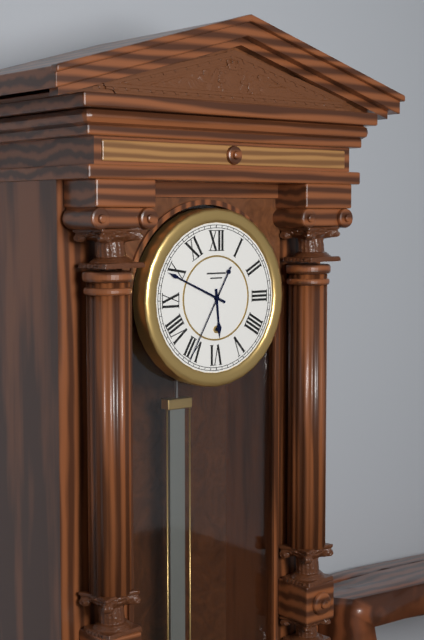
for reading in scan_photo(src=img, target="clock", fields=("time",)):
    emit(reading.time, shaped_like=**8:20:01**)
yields **5:49:35**
